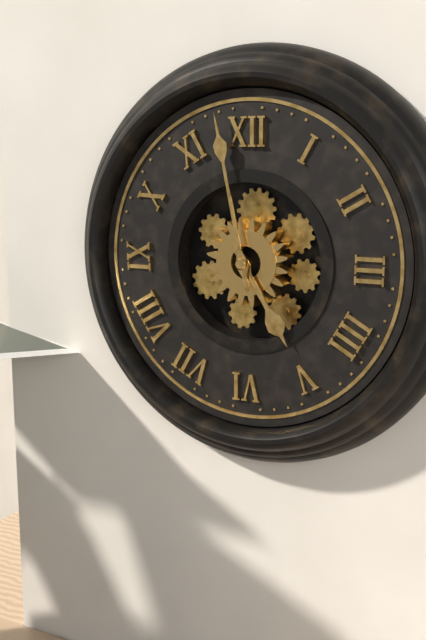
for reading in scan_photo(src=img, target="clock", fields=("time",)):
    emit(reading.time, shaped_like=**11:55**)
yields **4:58**
